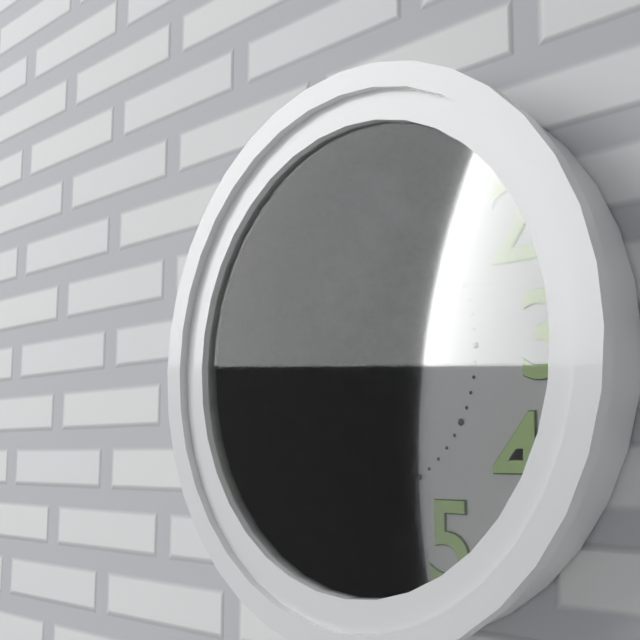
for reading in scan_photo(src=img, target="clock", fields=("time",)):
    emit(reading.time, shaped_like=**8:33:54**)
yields **10:07:00**
